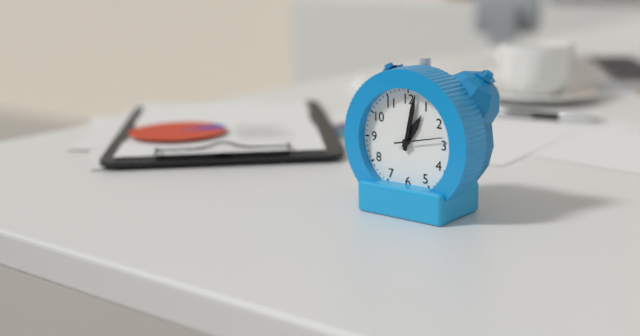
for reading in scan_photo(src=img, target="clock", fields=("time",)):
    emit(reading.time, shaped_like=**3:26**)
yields **1:02**
